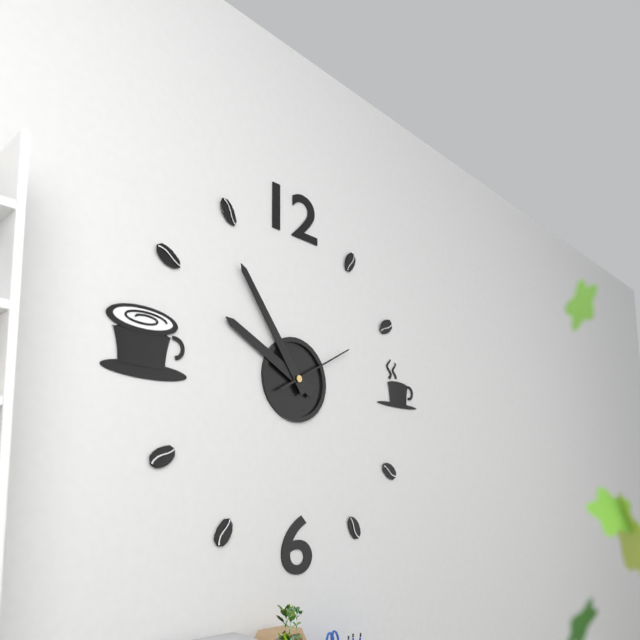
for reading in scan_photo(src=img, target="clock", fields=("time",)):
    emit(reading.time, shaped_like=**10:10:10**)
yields **9:54:10**
